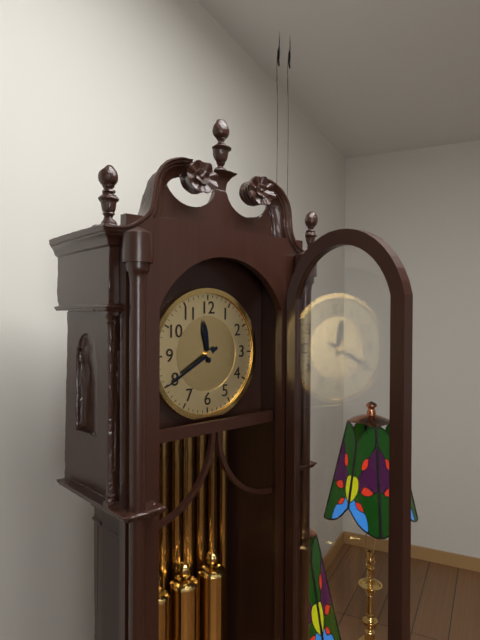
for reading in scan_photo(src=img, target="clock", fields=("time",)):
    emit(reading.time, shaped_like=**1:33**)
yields **11:40**
